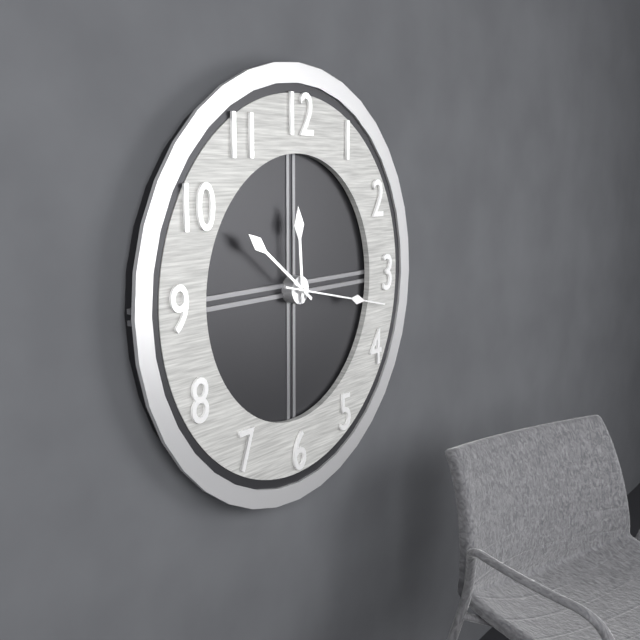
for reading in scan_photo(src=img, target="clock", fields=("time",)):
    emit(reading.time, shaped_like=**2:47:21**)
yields **11:51:17**
